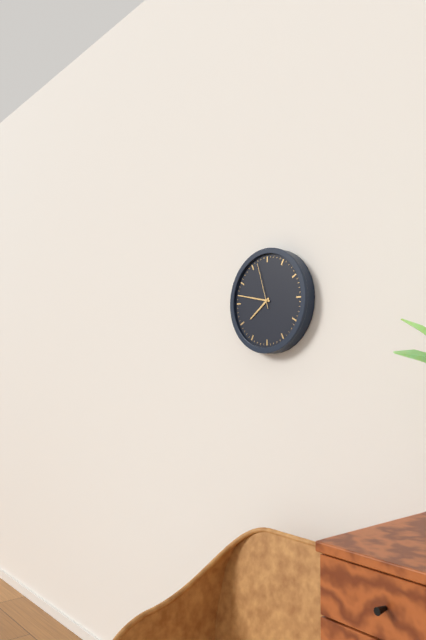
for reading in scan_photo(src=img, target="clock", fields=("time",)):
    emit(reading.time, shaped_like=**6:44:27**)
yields **7:47:57**
